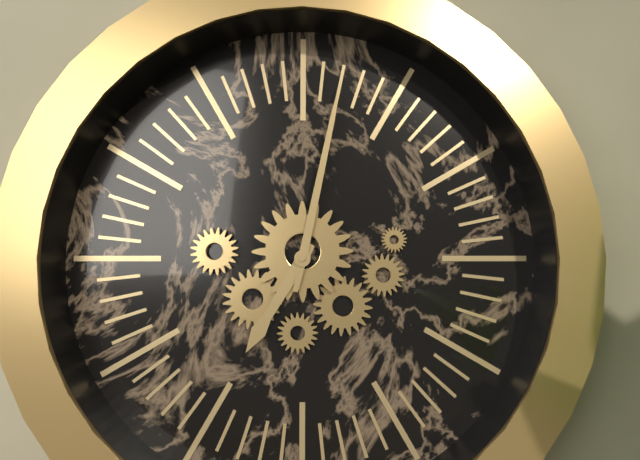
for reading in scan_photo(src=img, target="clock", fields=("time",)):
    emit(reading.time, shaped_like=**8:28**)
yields **7:02**
